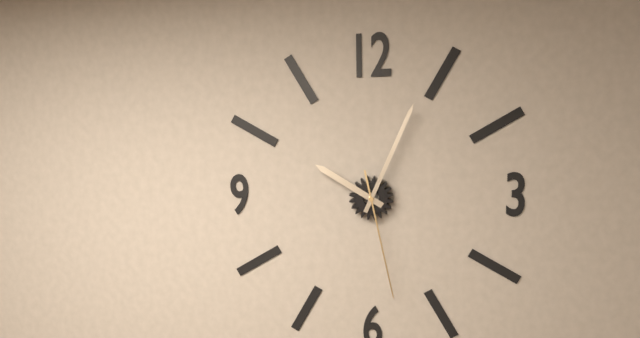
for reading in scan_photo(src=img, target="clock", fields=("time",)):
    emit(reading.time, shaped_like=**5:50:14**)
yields **10:04:28**
